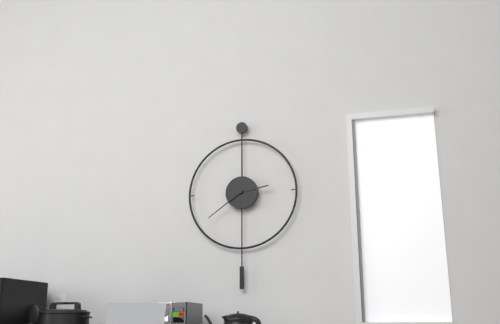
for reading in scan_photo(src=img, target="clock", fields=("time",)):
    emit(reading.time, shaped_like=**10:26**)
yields **2:39**
